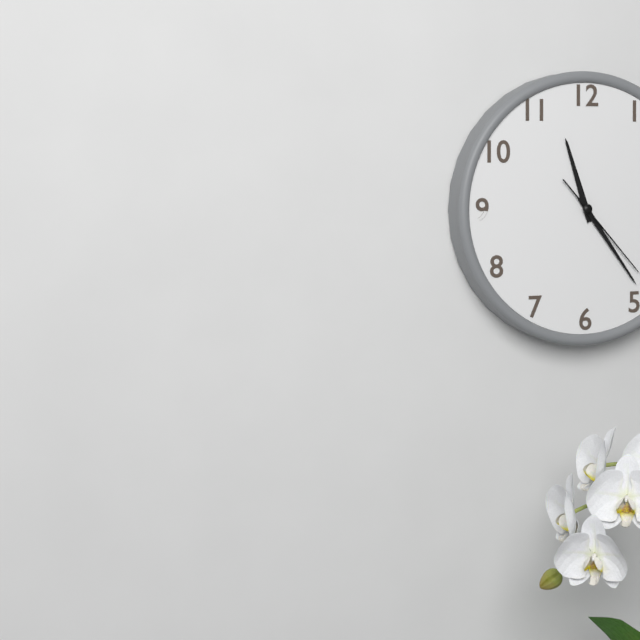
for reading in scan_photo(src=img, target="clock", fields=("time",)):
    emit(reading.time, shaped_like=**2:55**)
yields **11:24**
